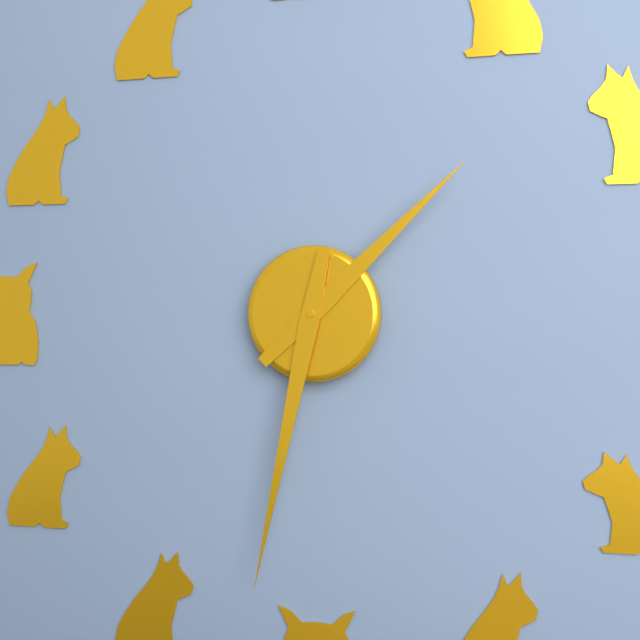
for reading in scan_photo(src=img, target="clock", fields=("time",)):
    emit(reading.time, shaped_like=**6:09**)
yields **1:32**
